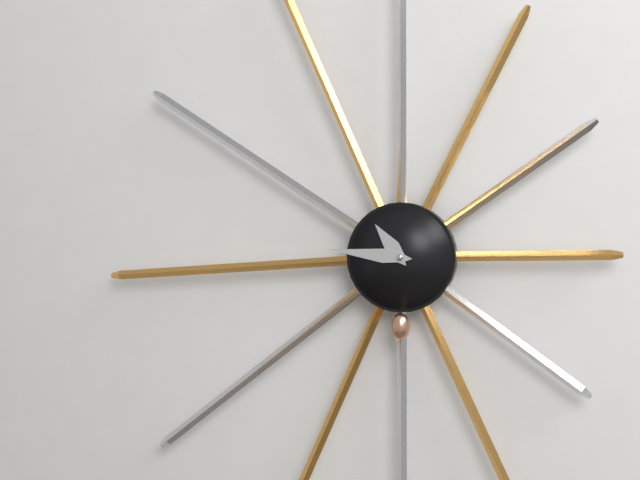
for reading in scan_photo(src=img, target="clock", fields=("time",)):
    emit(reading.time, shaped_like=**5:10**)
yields **10:46**
